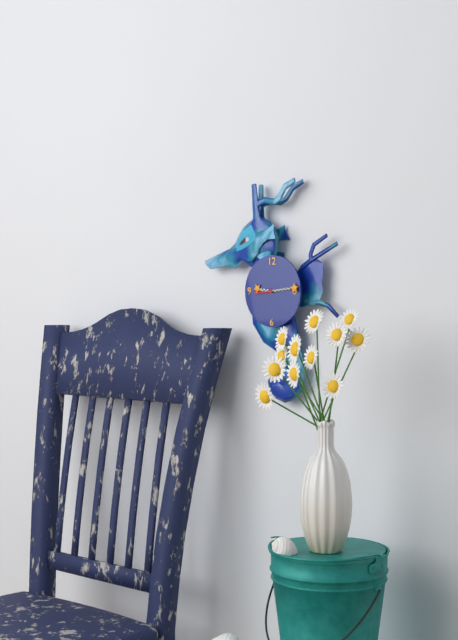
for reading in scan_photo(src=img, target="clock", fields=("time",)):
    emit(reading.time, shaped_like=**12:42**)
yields **9:14**
